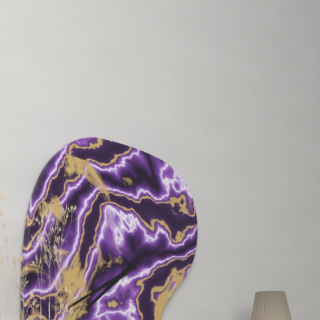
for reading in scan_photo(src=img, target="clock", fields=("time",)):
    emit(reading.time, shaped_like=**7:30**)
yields **7:40**
